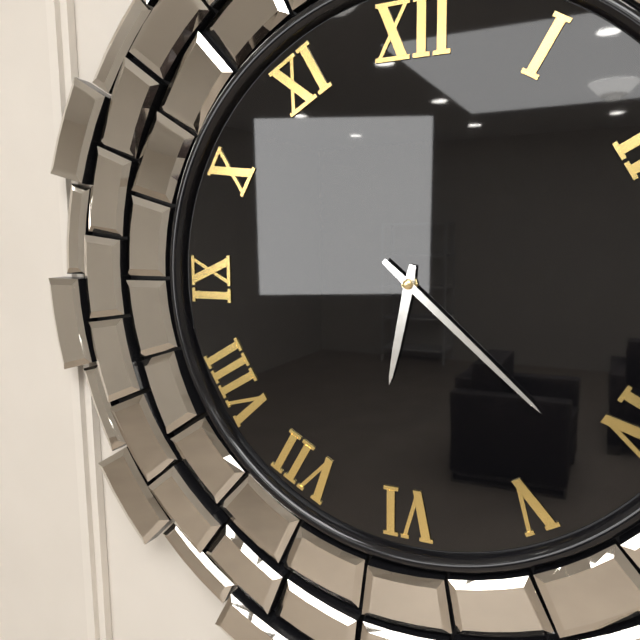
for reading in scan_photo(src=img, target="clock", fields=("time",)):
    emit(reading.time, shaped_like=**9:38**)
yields **6:22**
